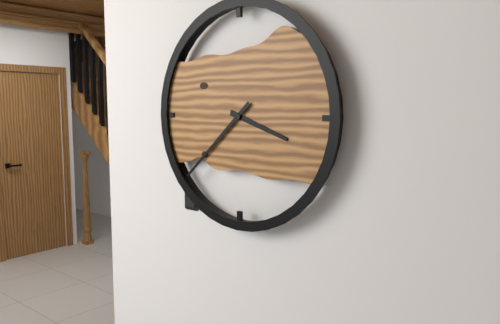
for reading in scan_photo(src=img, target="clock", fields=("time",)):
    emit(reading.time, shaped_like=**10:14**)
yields **3:38**
